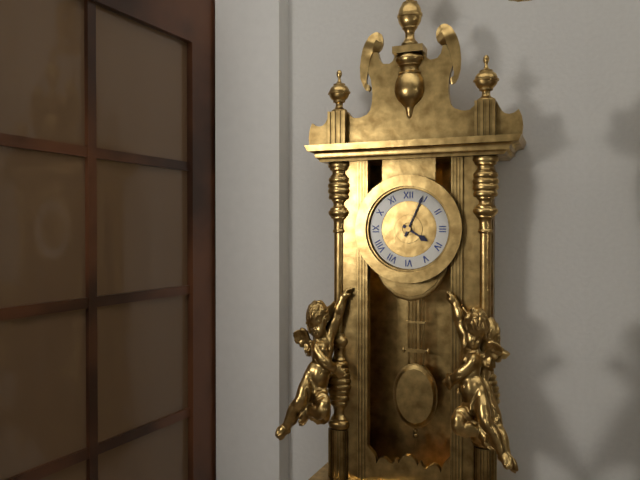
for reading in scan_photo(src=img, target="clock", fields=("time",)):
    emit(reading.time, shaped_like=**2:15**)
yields **4:04**
